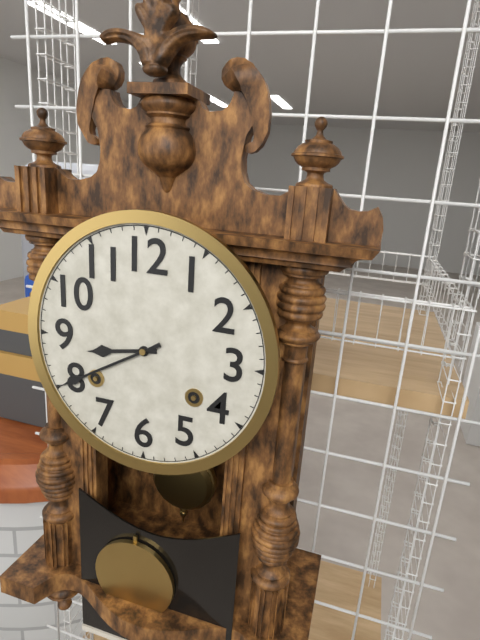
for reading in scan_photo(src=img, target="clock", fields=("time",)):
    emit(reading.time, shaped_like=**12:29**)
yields **8:40**
